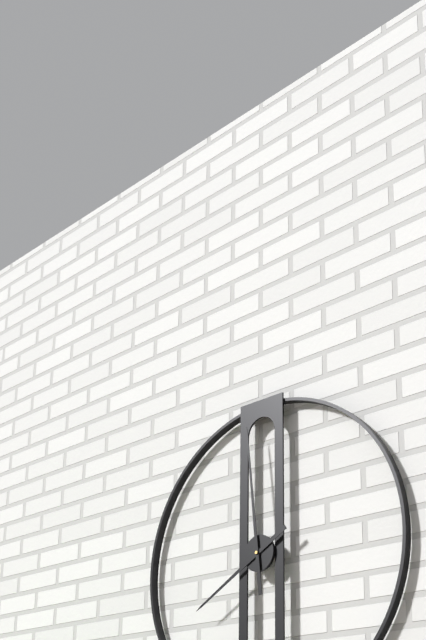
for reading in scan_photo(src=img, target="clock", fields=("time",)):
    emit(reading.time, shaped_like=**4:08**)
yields **7:59**
